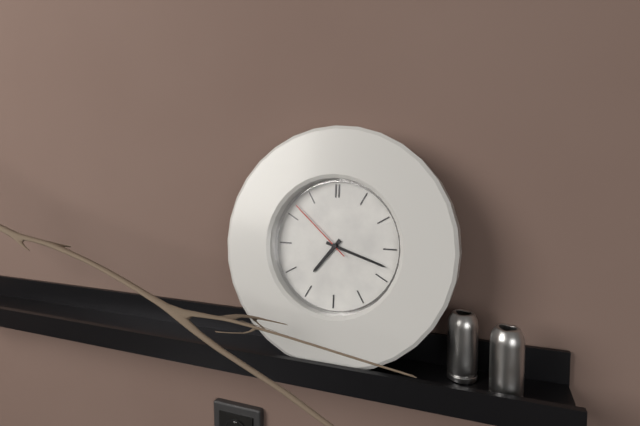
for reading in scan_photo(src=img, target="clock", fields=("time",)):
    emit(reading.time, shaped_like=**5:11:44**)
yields **7:18:52**
